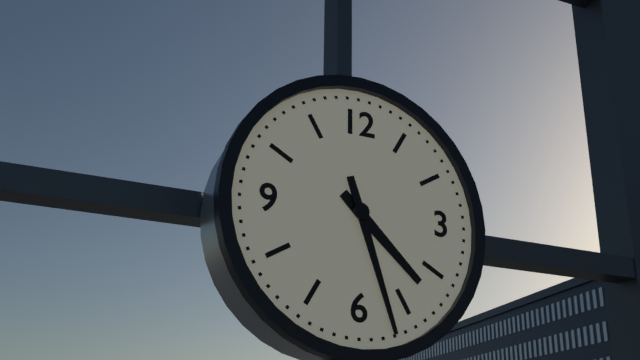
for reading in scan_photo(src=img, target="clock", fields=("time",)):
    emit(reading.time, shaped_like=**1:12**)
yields **4:27**
